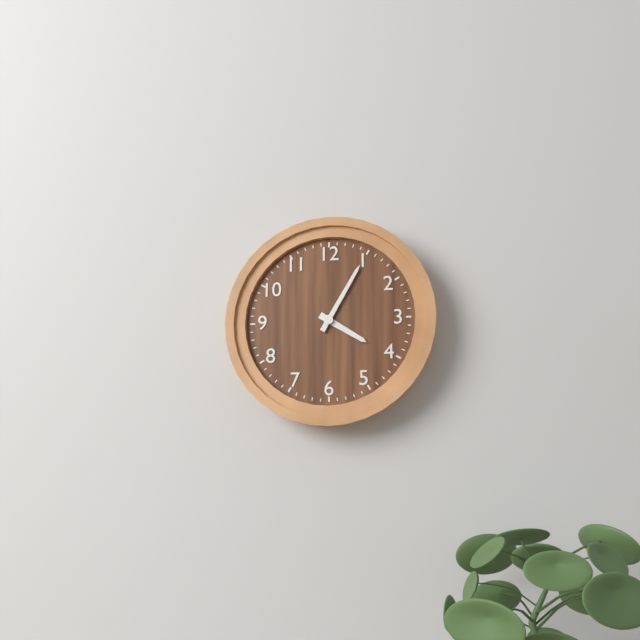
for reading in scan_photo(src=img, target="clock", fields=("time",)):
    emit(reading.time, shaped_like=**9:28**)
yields **4:05**
